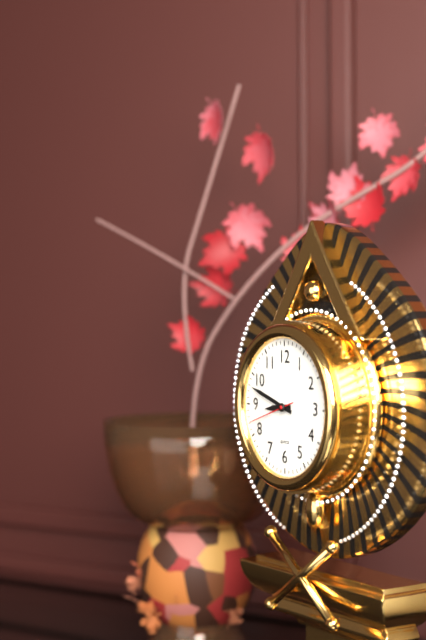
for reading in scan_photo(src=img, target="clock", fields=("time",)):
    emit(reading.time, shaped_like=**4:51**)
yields **8:48**
